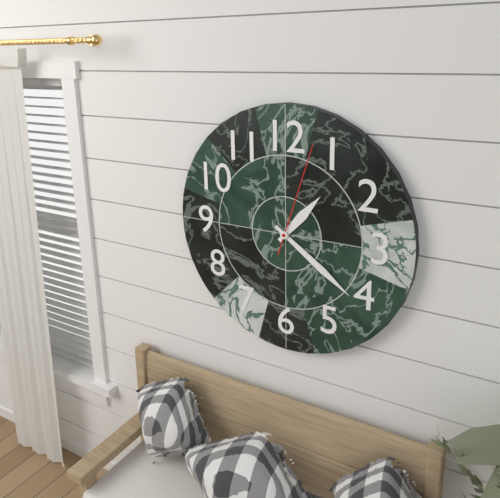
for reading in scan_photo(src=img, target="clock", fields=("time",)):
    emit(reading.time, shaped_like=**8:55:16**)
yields **1:21:03**
